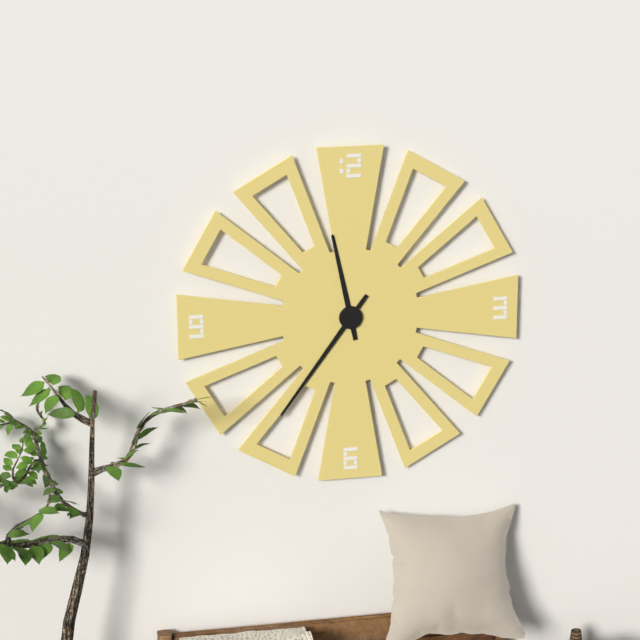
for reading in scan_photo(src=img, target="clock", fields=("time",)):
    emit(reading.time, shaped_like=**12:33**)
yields **11:36**
